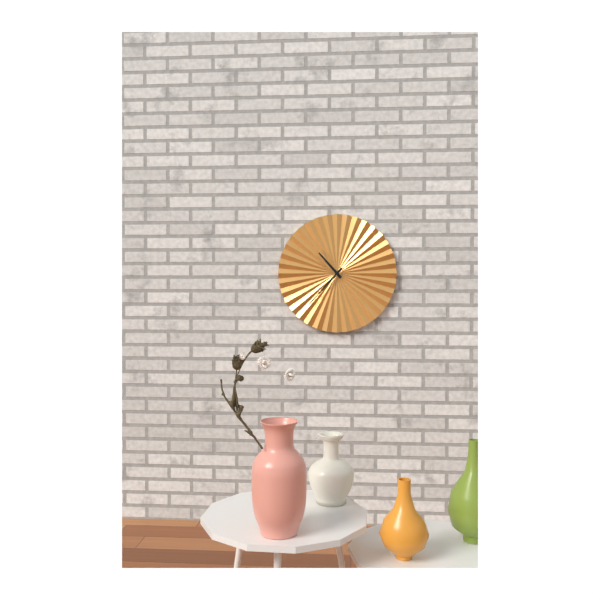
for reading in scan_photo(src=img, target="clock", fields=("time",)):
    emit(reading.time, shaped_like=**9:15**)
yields **10:37**
